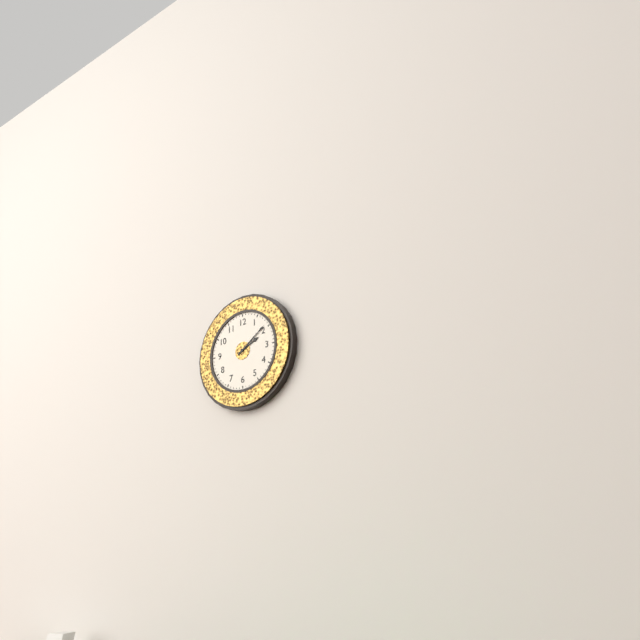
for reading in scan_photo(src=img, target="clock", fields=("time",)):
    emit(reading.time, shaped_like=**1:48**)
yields **2:09**
